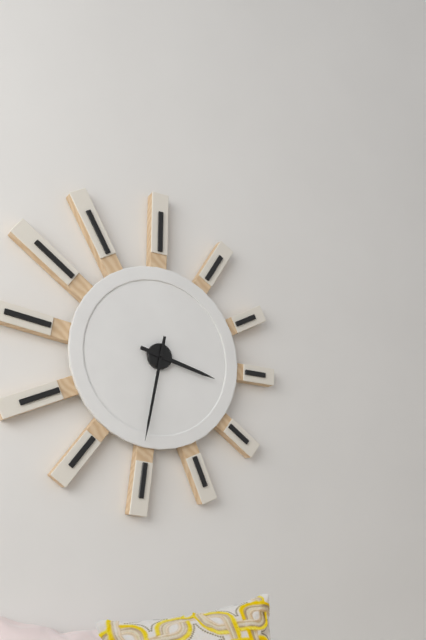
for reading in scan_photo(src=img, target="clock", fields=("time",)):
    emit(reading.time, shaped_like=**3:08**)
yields **3:32**
